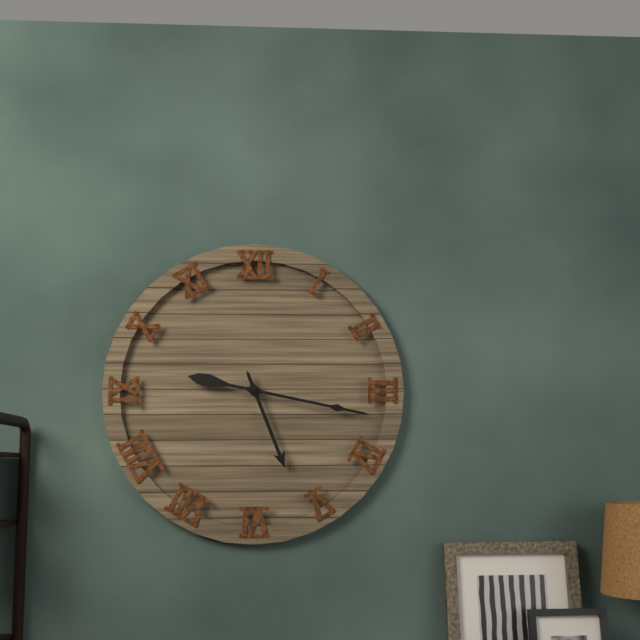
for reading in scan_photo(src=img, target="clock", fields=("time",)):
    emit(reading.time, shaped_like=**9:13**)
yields **5:17**
